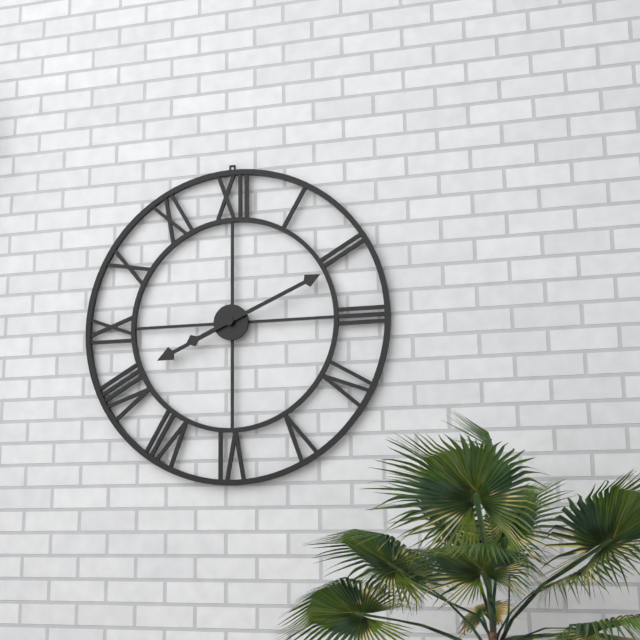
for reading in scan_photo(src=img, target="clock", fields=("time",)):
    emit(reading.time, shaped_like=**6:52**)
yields **8:11**
